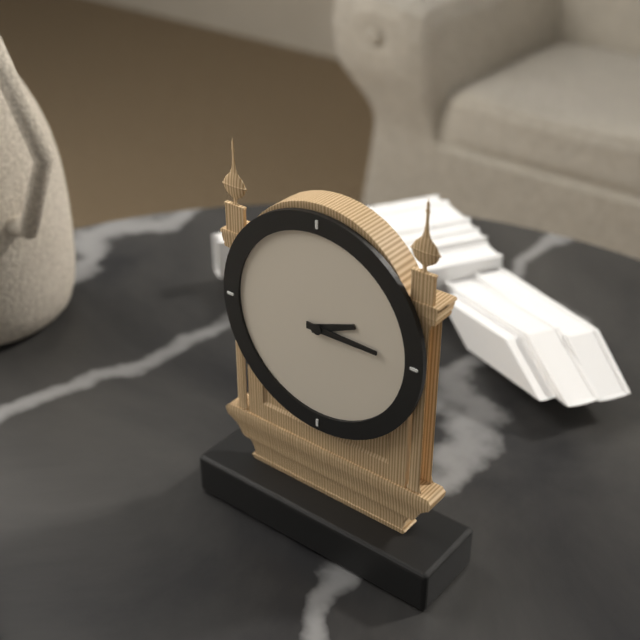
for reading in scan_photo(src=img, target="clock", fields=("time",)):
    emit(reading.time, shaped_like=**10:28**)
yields **2:15**
